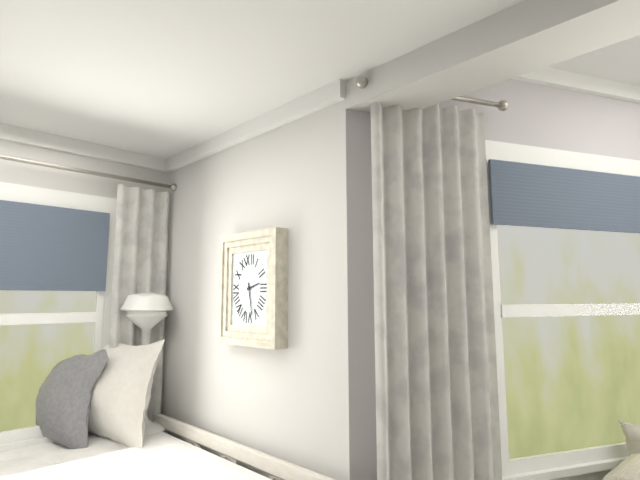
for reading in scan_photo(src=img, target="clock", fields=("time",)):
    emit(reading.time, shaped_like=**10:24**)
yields **2:28**
